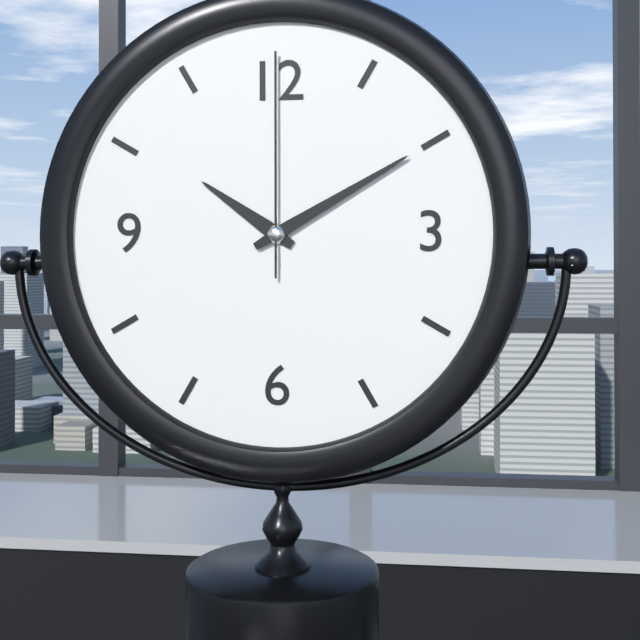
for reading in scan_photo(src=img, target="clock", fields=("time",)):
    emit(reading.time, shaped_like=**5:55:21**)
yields **10:10:00**
